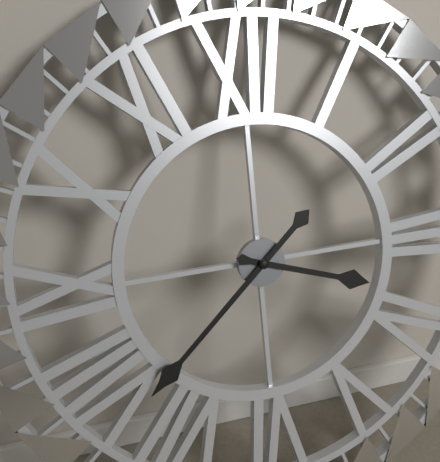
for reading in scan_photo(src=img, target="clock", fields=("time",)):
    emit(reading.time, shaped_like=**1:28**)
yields **3:38**
